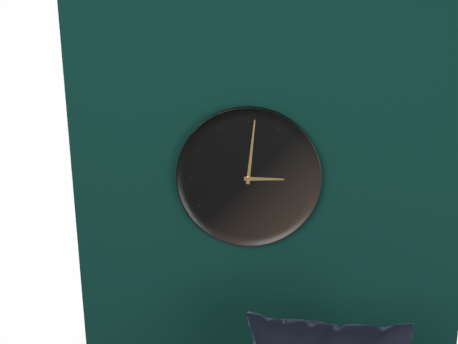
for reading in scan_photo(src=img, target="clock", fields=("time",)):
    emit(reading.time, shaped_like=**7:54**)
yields **3:01**
